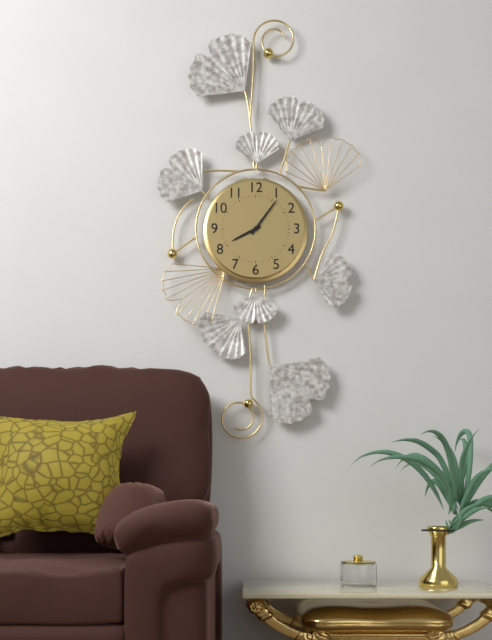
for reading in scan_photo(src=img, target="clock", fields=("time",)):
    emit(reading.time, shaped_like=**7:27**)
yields **8:06**
